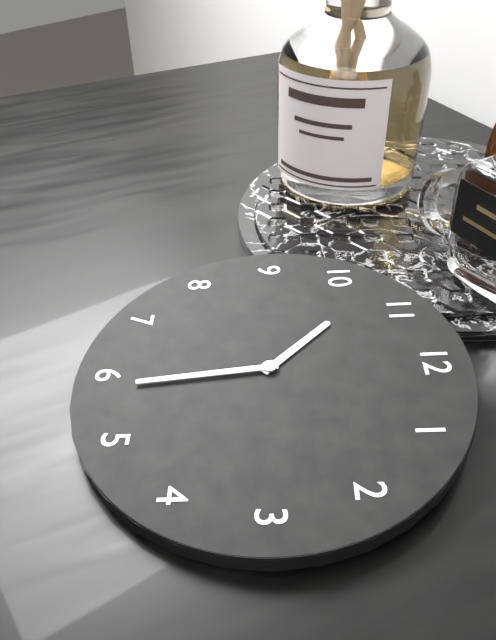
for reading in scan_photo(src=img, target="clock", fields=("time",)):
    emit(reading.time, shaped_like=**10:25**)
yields **10:29**
